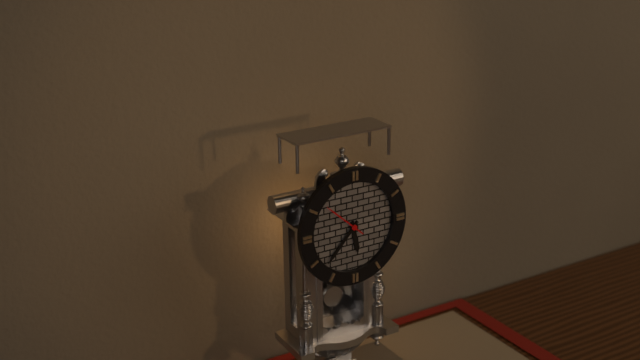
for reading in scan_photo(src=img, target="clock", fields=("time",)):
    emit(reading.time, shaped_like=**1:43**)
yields **5:37**
